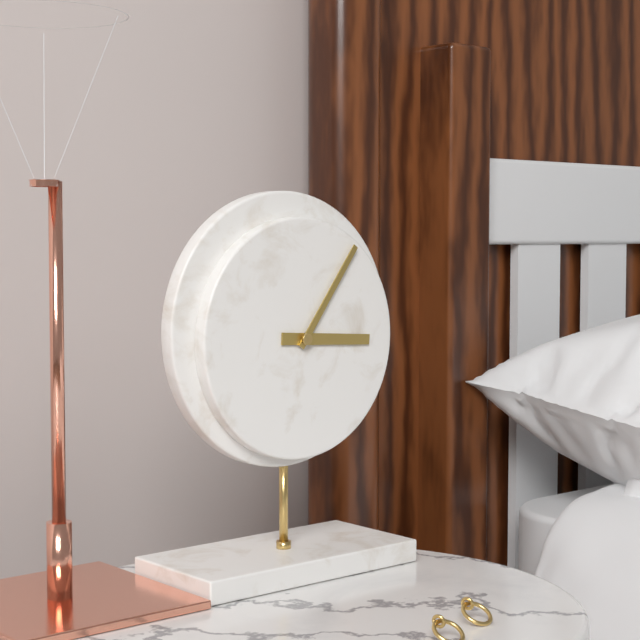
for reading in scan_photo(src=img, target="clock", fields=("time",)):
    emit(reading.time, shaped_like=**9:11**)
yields **3:06**
